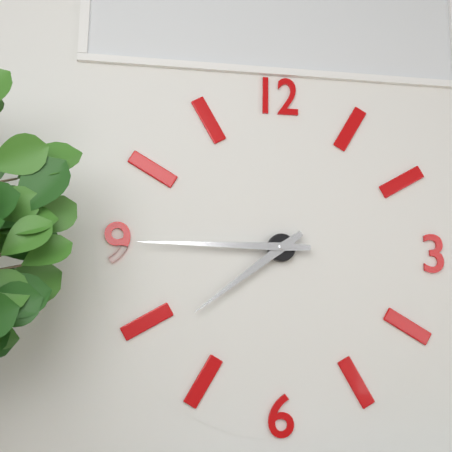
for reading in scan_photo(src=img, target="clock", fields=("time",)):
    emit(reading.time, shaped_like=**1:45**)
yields **7:45**
